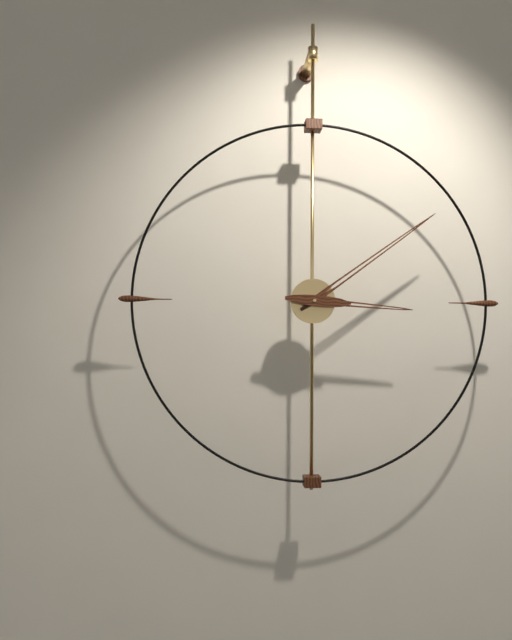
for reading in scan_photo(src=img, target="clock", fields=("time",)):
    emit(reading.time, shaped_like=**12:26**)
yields **3:09**
